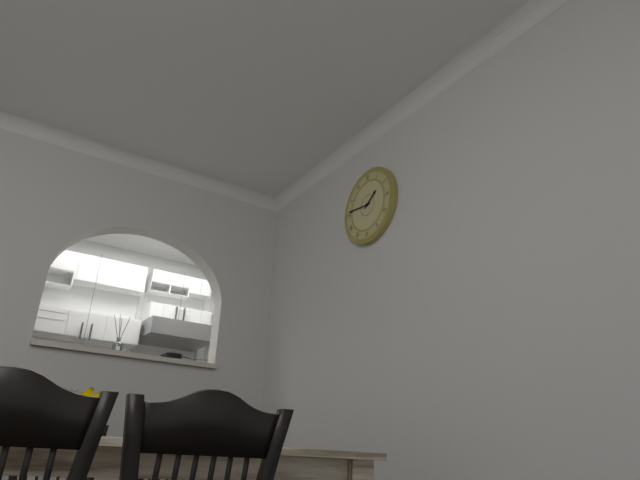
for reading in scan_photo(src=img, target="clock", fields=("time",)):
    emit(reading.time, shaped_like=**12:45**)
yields **1:46**
